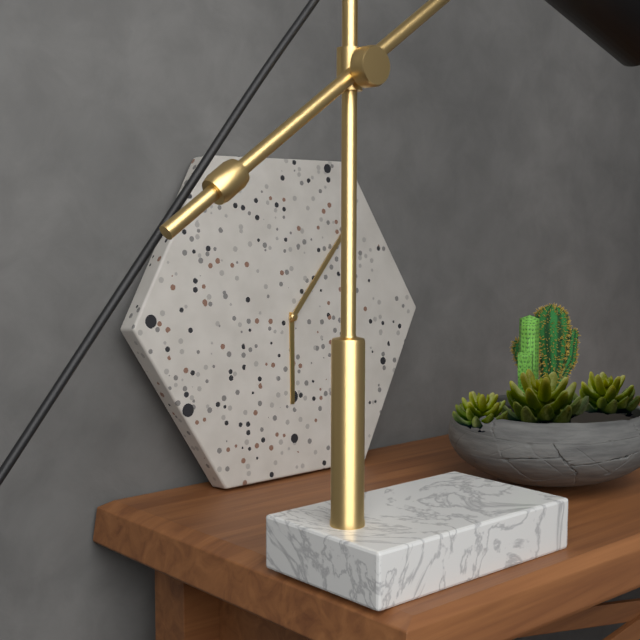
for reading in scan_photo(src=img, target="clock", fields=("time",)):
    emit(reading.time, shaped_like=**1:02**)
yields **6:07**
